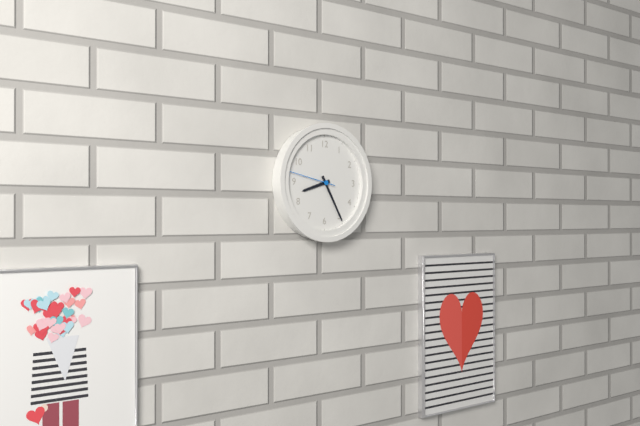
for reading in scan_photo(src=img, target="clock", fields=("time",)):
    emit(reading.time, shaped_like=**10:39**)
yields **8:25**
